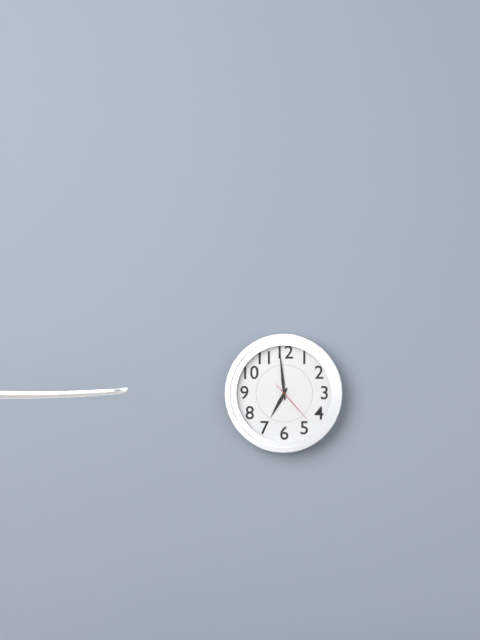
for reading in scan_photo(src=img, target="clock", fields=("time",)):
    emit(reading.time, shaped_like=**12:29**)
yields **6:59**
